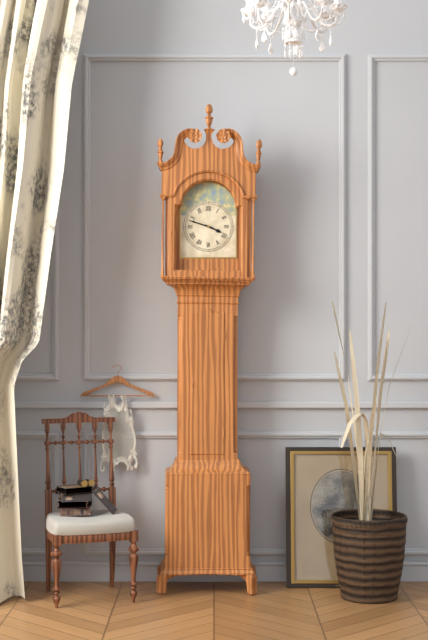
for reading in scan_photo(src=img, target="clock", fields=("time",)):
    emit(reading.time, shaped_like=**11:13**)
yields **3:48**
